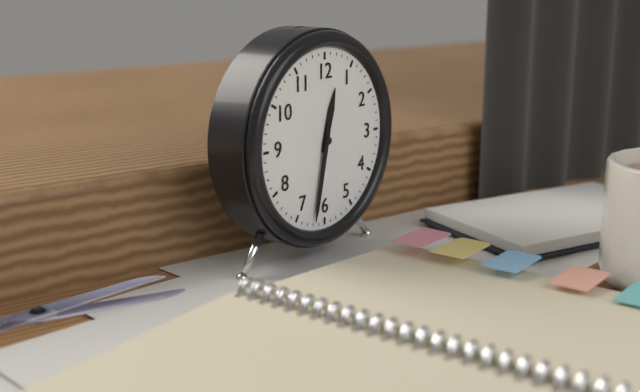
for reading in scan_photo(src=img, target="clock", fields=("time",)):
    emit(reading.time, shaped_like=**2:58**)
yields **12:32**
